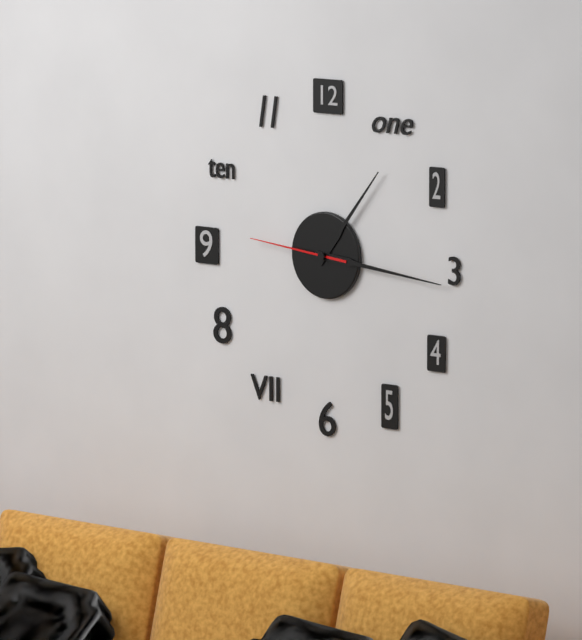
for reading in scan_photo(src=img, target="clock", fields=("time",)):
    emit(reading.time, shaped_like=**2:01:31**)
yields **1:16:46**
